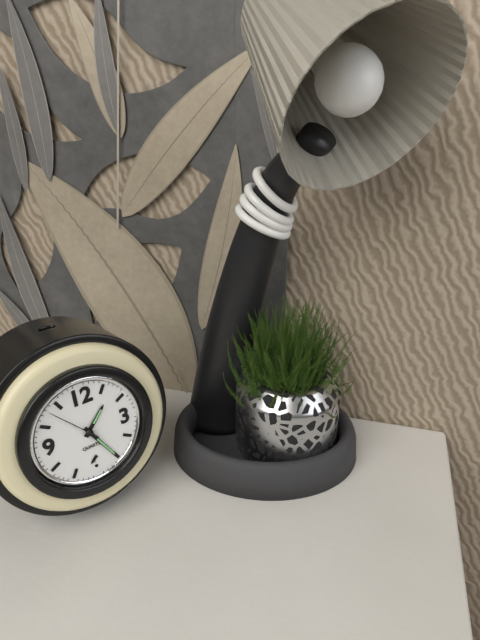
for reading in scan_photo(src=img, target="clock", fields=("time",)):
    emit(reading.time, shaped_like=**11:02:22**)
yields **1:25:53**
